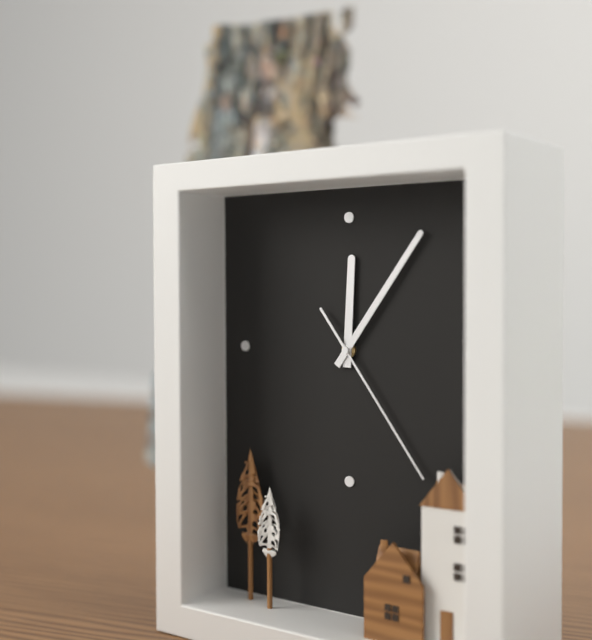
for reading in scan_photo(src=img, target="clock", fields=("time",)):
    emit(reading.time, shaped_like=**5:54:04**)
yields **12:06:24**
